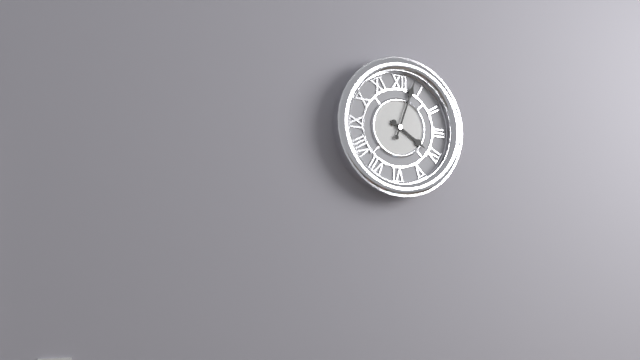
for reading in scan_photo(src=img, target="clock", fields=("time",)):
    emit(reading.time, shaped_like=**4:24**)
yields **4:03**
